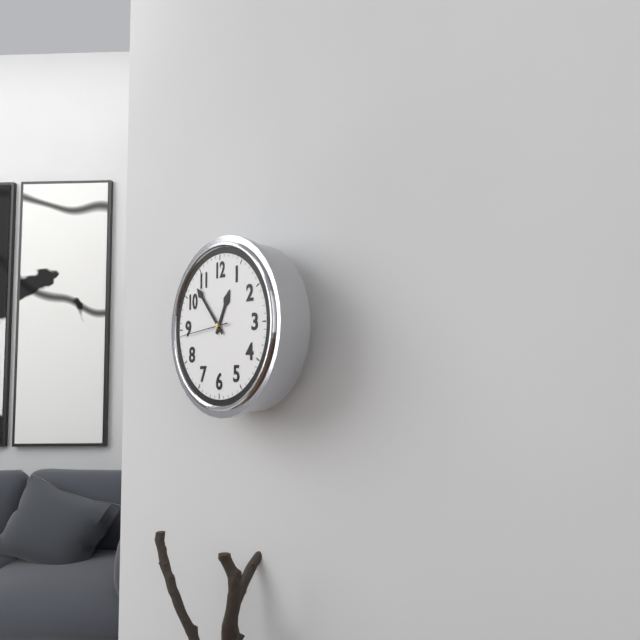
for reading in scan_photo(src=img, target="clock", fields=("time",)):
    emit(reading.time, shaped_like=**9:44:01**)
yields **12:53:44**
